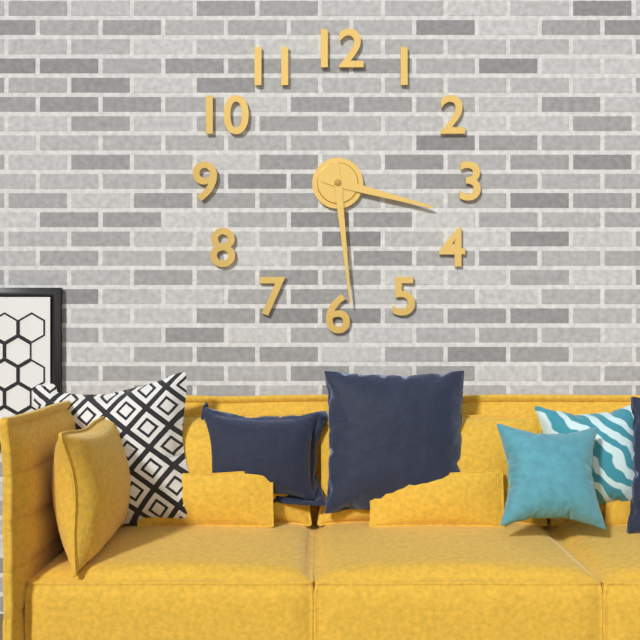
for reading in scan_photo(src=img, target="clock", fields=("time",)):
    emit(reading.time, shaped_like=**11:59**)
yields **3:29**
